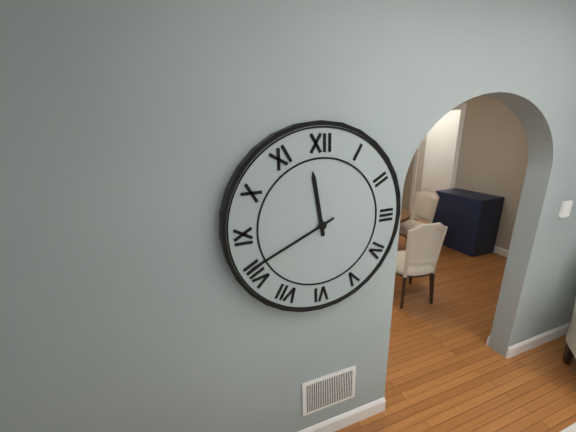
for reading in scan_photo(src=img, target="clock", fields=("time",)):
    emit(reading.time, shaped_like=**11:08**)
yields **11:41**
